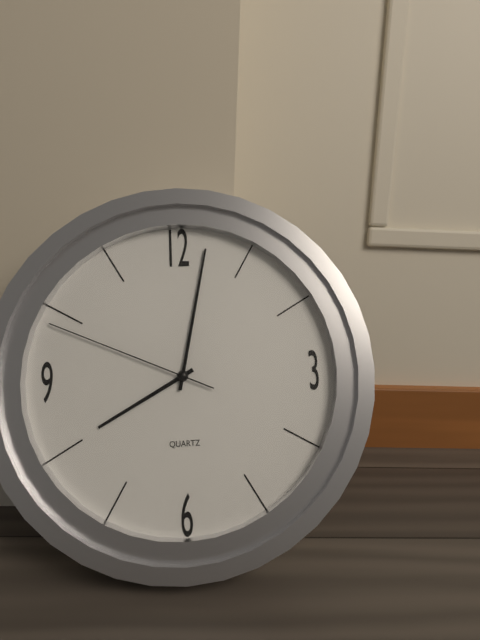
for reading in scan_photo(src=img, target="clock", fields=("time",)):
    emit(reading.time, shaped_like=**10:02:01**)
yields **8:02:49**
